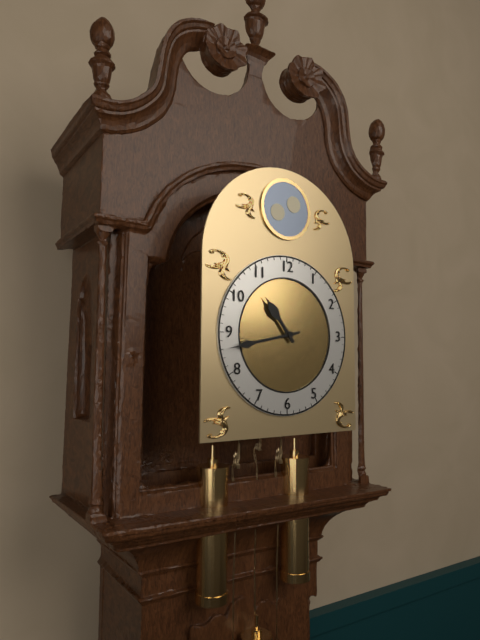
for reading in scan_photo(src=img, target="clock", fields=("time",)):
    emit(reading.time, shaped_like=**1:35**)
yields **10:43**
